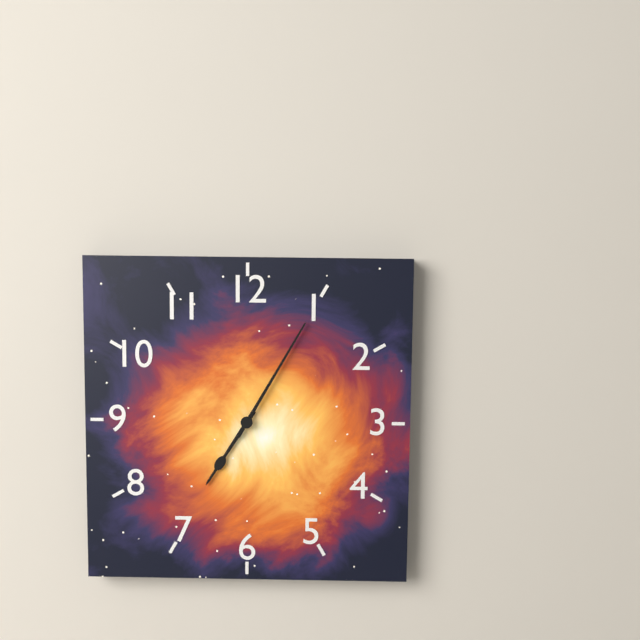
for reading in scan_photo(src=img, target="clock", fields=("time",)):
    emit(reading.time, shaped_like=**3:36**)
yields **7:05**
